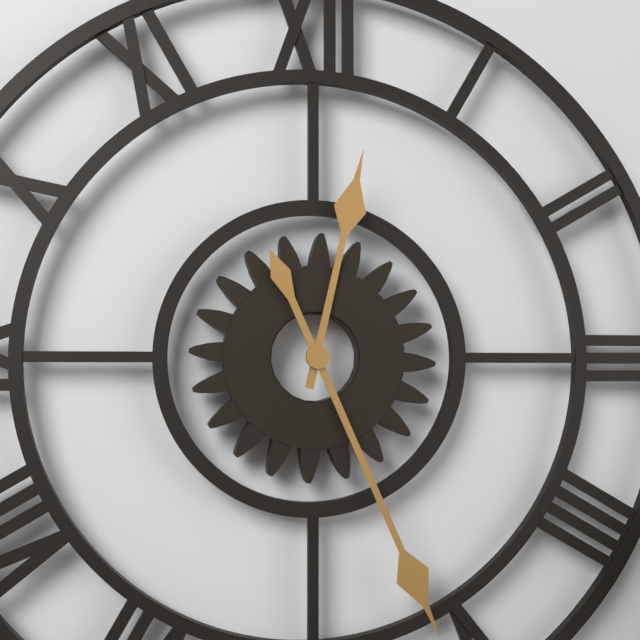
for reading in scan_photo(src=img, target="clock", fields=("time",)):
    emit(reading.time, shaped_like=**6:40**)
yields **12:26**
